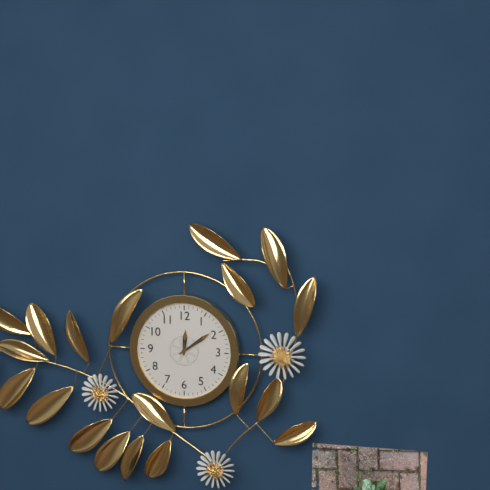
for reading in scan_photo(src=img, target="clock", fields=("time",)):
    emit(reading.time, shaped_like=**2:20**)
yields **12:09**
